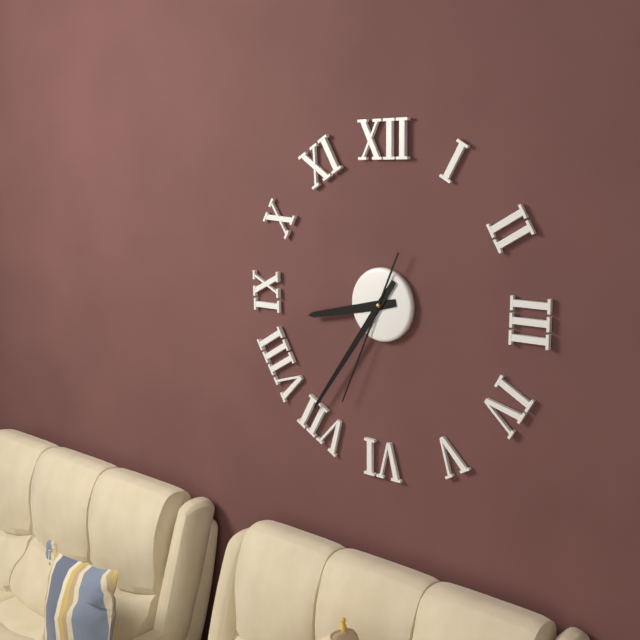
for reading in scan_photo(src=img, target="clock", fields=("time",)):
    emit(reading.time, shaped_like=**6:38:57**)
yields **8:36:34**
